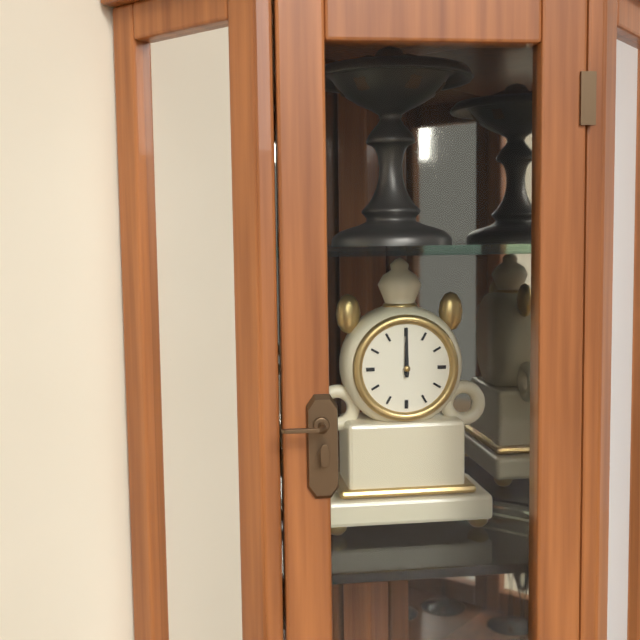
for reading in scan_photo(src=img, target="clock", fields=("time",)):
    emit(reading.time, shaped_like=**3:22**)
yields **12:00**
